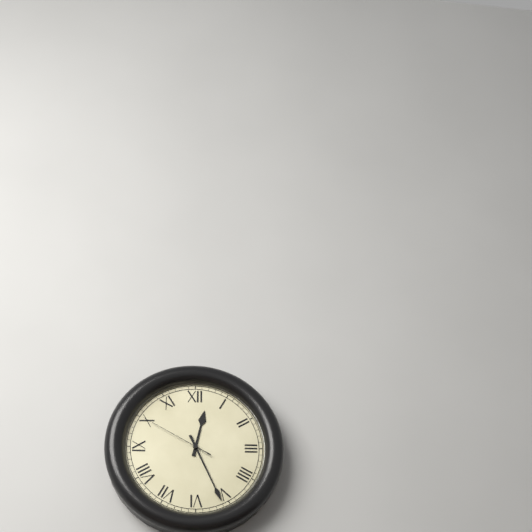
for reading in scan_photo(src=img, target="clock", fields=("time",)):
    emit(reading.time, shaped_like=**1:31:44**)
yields **12:26:50**
